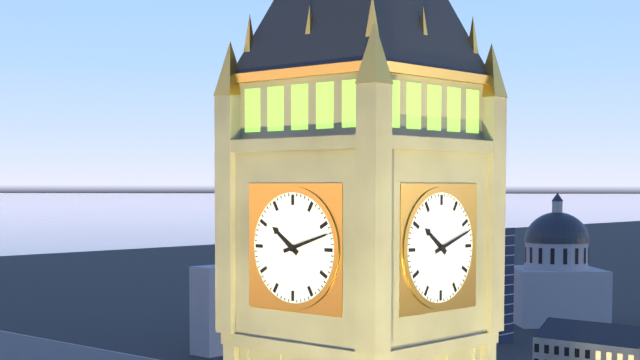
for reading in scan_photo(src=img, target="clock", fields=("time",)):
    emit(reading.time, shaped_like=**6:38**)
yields **10:12**
